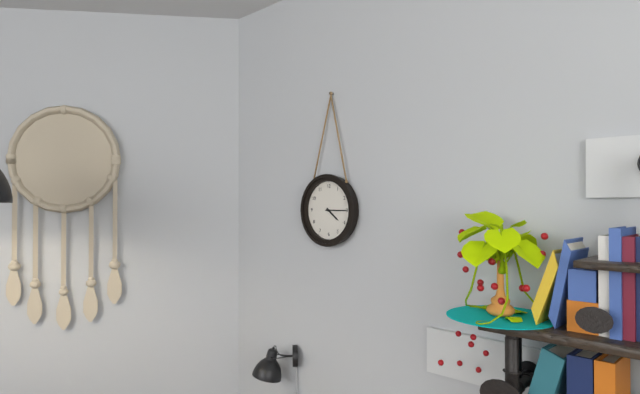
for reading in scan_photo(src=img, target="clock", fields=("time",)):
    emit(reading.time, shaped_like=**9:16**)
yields **4:15**
